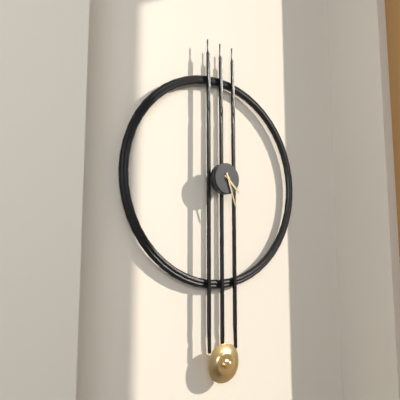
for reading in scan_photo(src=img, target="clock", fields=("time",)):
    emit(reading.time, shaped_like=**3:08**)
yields **4:27**
